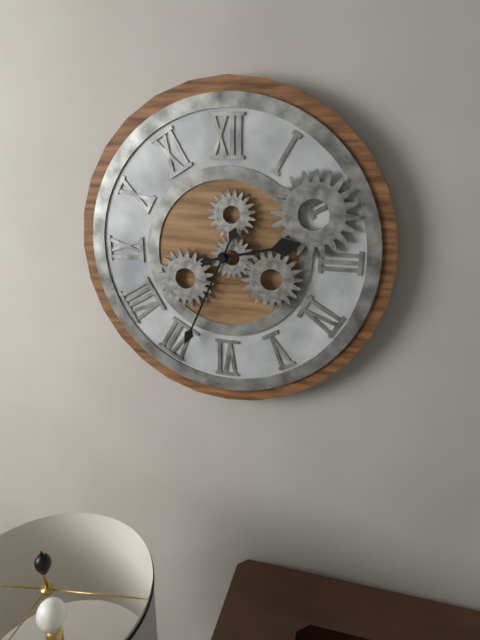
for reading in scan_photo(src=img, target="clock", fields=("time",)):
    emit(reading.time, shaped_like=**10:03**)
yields **2:34**
